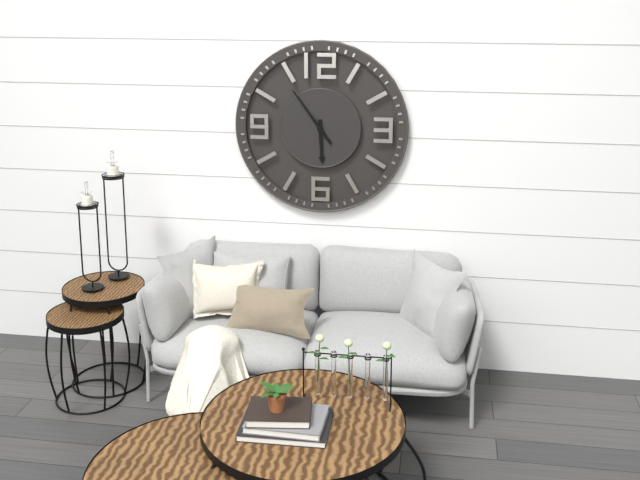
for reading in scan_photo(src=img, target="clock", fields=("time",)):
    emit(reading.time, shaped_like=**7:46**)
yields **5:54**
